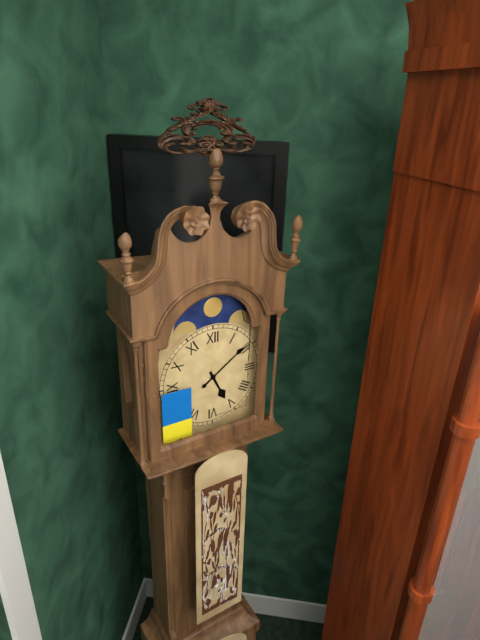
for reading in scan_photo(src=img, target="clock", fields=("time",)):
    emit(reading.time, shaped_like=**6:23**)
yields **5:09**
